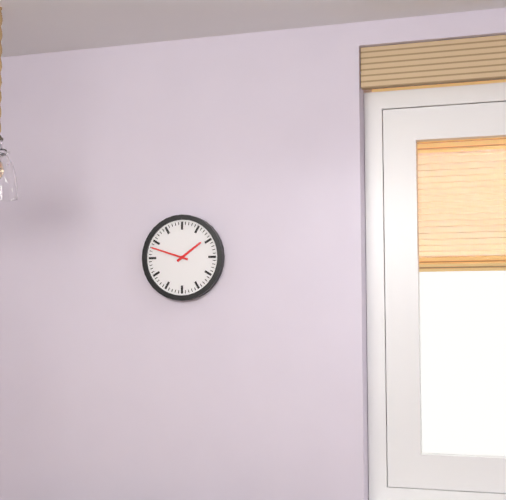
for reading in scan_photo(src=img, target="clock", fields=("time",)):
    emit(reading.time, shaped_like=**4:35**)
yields **1:48**
